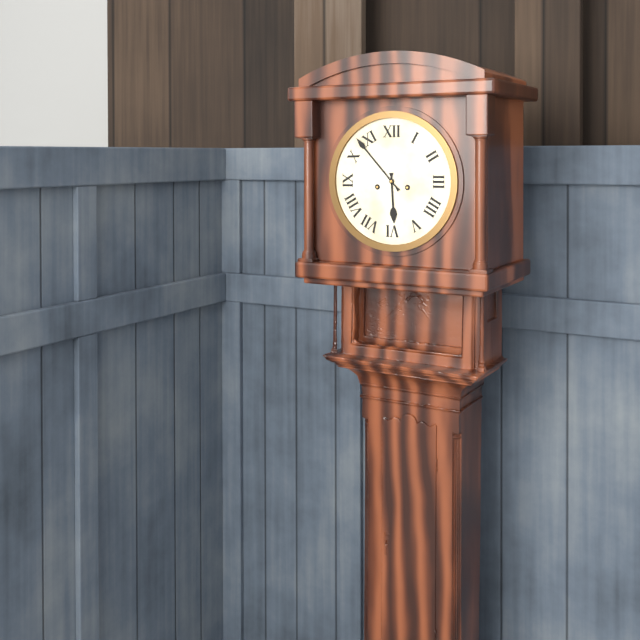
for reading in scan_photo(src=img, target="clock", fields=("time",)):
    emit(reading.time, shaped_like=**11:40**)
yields **5:53**
